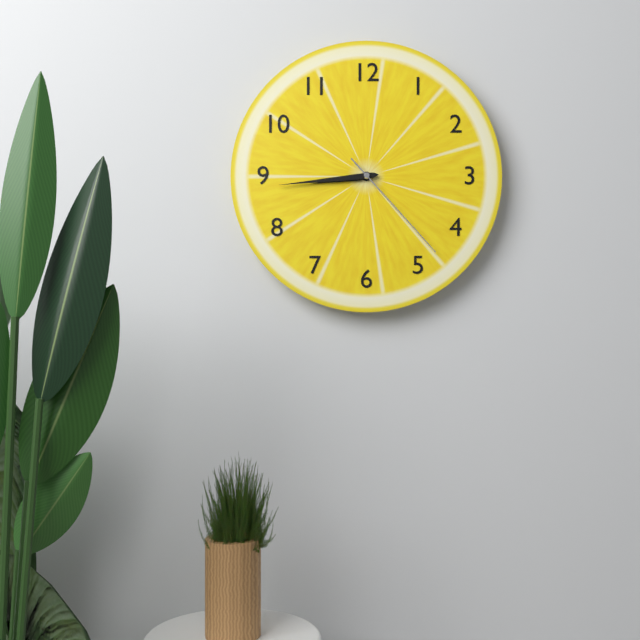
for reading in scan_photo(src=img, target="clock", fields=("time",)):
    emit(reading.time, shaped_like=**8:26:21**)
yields **8:44:23**
